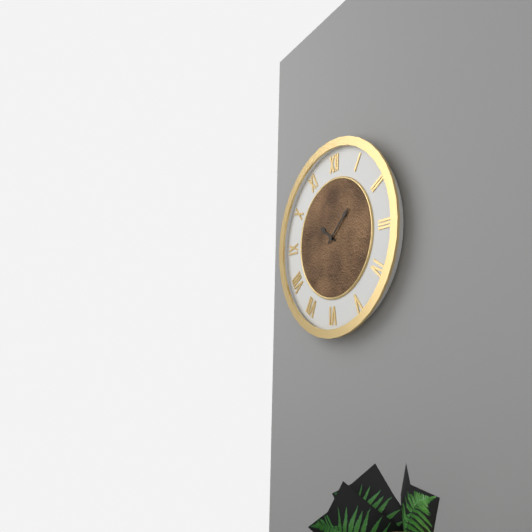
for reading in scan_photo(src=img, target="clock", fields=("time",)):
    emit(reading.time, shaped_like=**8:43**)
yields **10:08**
